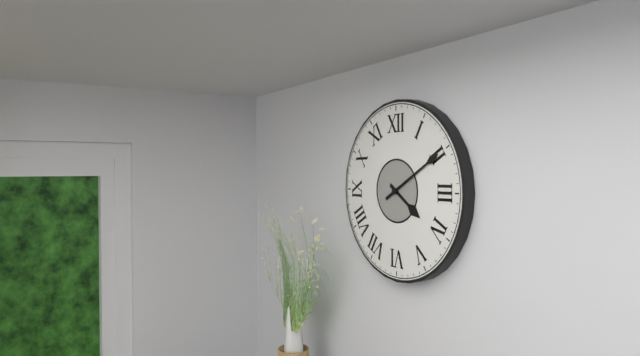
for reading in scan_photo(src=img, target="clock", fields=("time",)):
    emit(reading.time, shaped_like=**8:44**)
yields **4:10**
